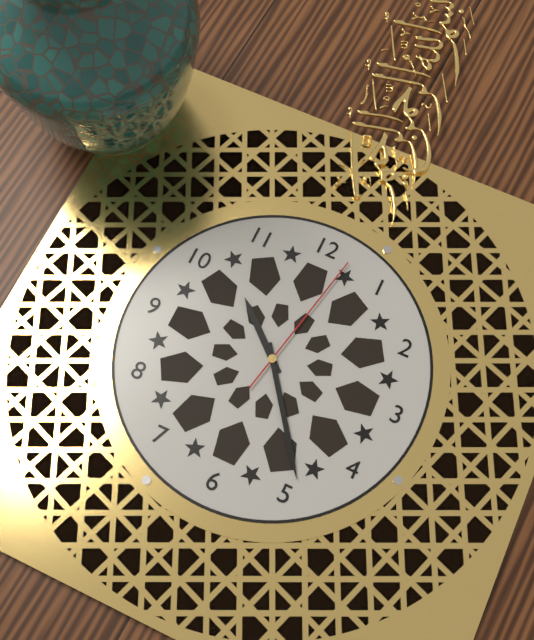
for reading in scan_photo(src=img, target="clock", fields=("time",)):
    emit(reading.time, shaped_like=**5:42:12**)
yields **10:24:02**
